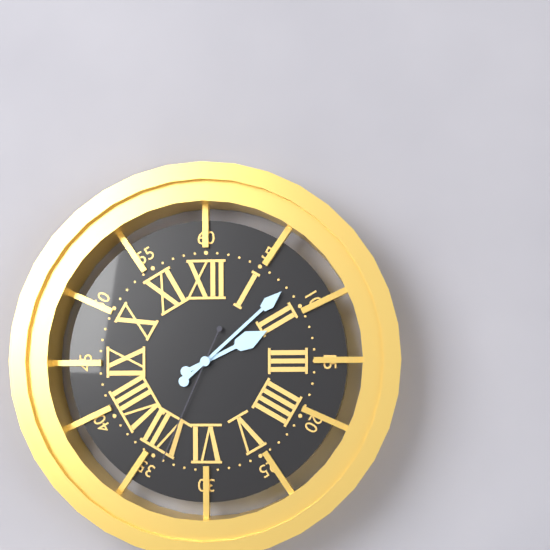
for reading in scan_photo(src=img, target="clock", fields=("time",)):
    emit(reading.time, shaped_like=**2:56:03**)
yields **2:08:34**
